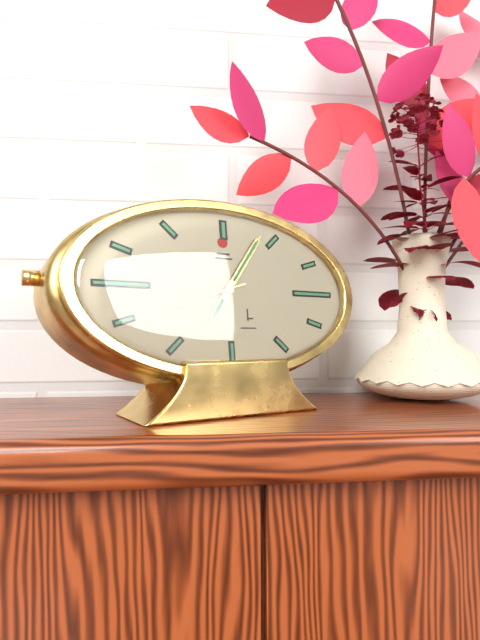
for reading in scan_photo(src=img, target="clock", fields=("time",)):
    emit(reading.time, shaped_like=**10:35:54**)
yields **7:06:42**
